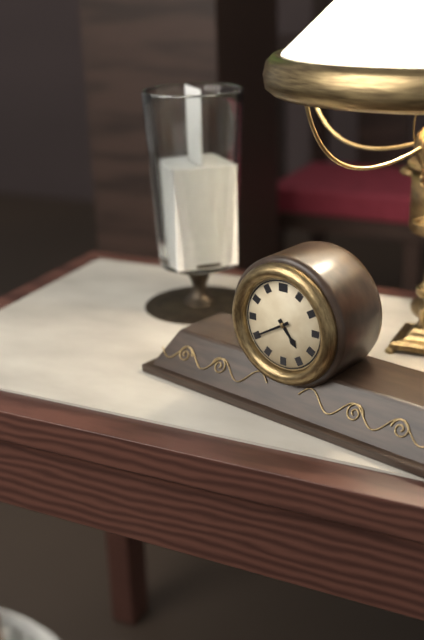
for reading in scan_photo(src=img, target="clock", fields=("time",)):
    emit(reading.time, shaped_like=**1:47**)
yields **4:40**
